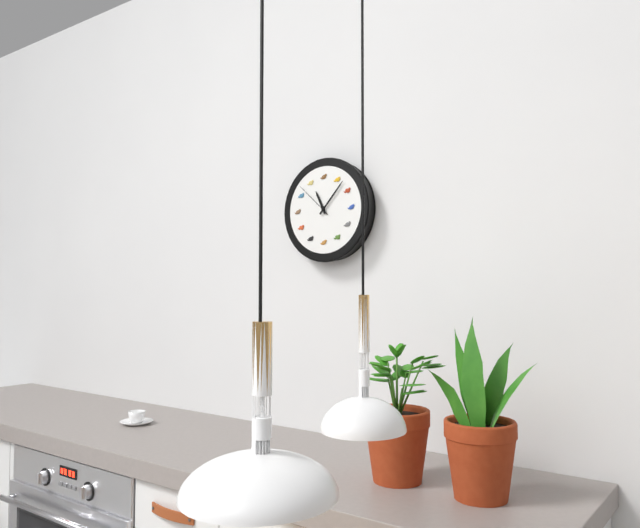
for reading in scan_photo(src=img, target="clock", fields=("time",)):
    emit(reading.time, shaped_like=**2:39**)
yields **11:07**
